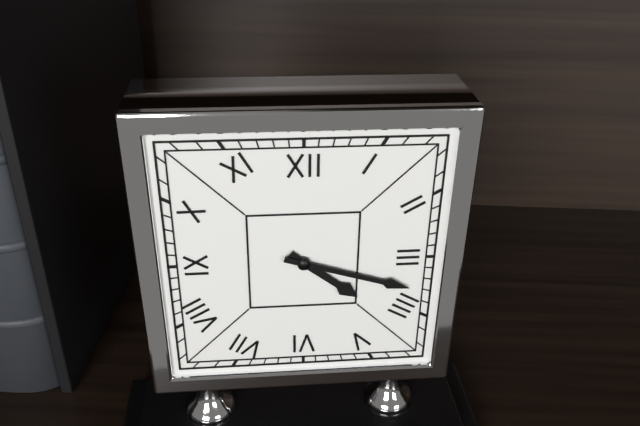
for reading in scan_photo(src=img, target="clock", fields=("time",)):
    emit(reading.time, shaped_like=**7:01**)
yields **4:18**
